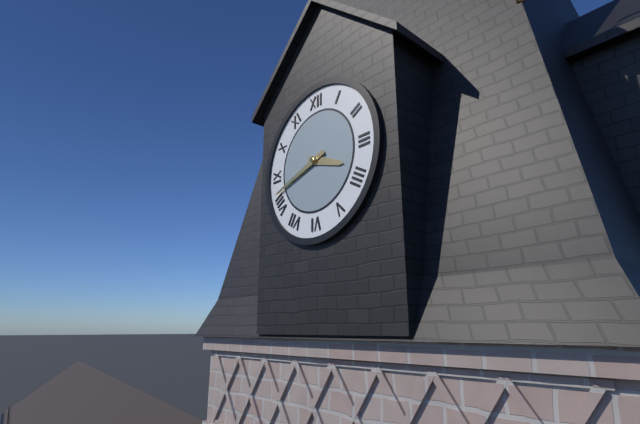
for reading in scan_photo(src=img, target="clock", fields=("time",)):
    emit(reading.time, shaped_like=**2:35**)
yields **3:42**
